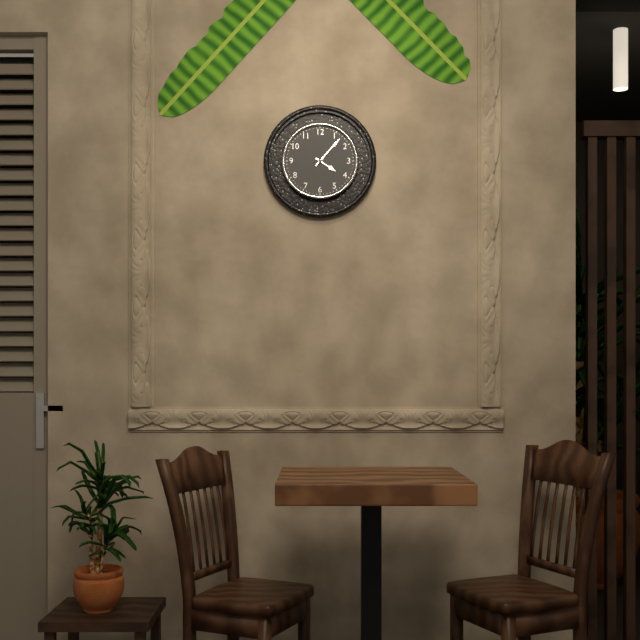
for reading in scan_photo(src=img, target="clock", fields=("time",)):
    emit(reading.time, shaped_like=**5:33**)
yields **4:07**
